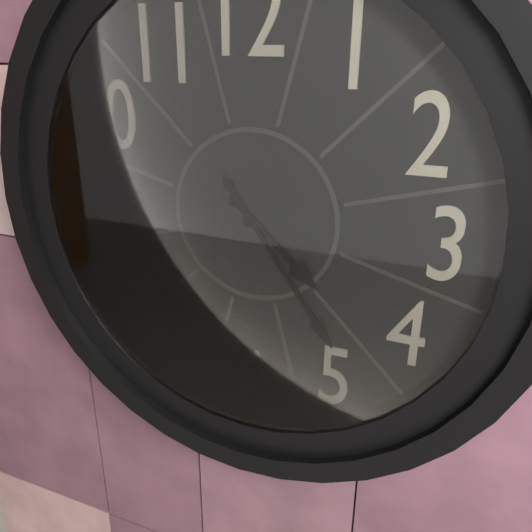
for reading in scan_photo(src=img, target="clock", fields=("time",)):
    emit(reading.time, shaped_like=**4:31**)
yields **4:24**
